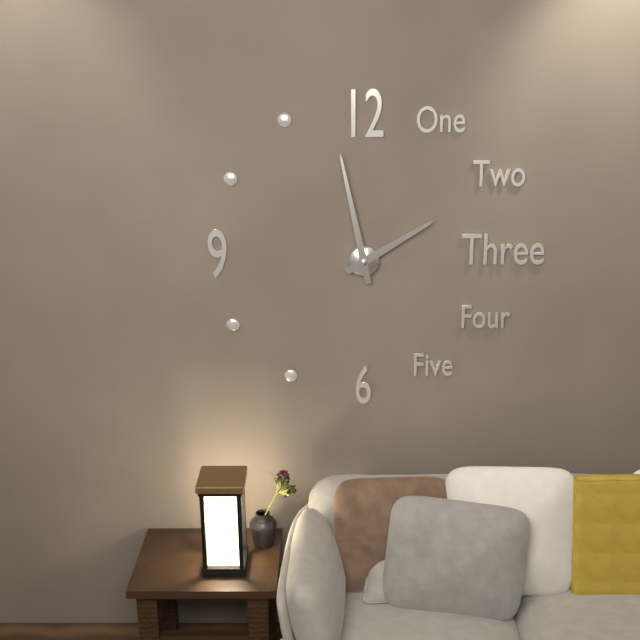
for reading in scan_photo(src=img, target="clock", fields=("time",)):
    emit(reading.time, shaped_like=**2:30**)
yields **1:58**
